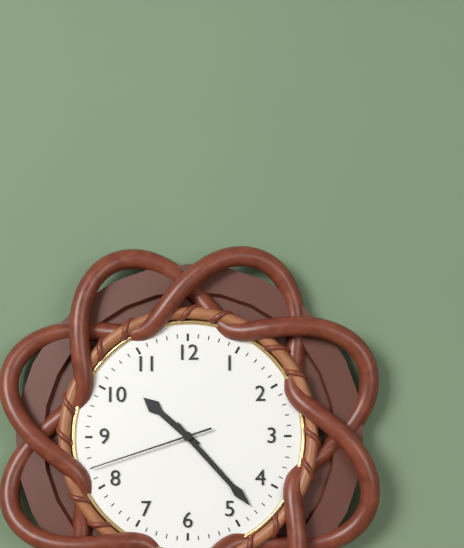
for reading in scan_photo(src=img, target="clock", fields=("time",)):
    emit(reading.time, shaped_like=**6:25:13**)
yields **10:23:42**
